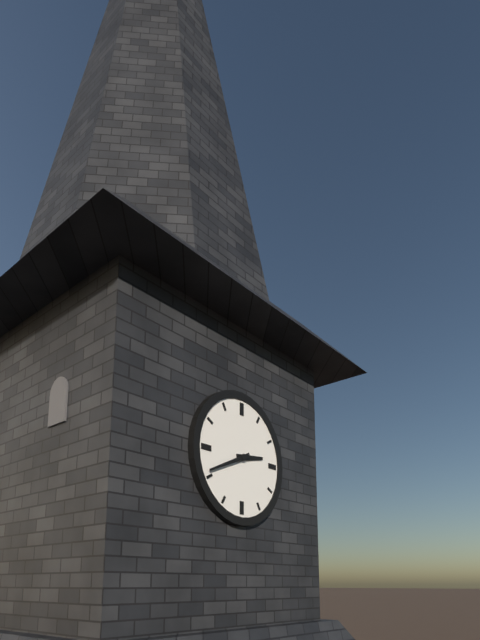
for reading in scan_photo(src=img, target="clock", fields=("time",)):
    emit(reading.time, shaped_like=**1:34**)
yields **2:41**
